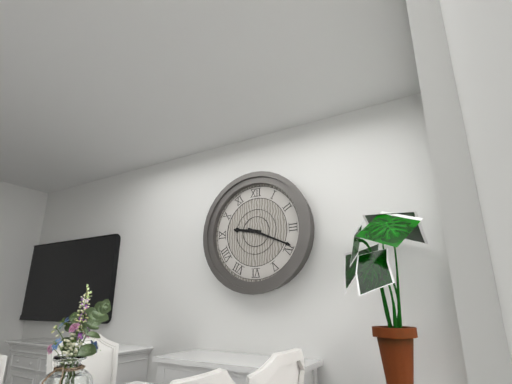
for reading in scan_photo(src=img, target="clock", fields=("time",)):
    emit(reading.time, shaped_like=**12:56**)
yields **9:19**
